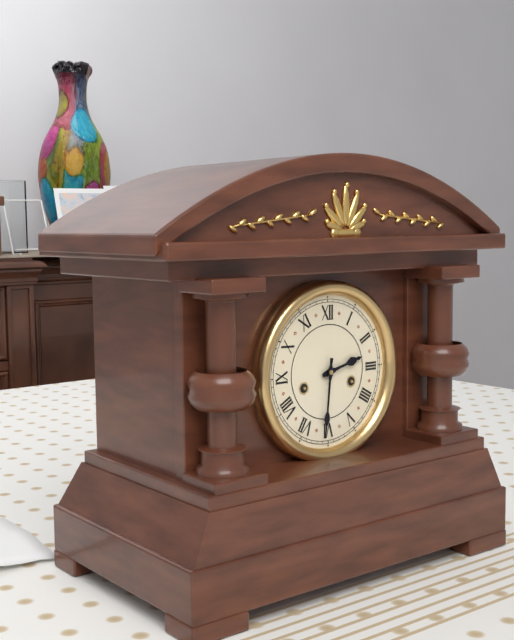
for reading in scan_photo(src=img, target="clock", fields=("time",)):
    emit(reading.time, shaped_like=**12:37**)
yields **2:31**
